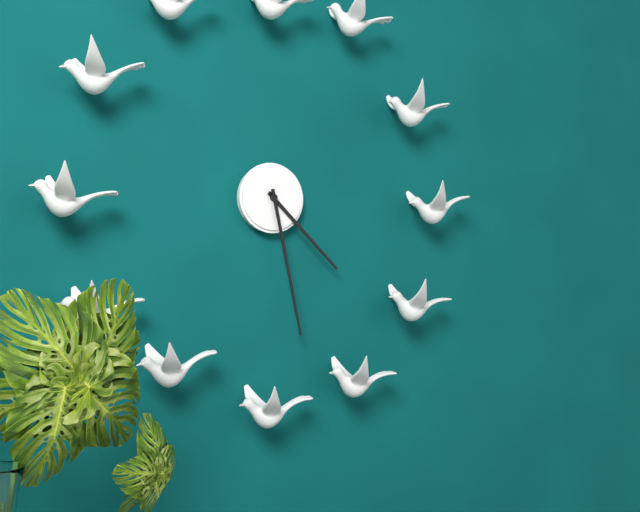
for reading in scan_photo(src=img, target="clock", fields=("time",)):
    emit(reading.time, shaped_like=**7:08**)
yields **4:28**
